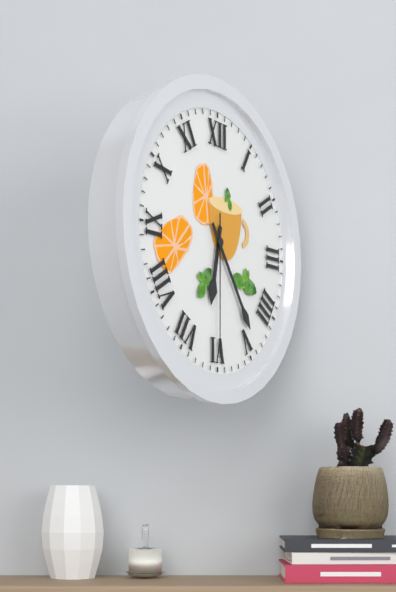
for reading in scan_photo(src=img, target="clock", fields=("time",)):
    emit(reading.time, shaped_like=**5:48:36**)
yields **6:24:30**
